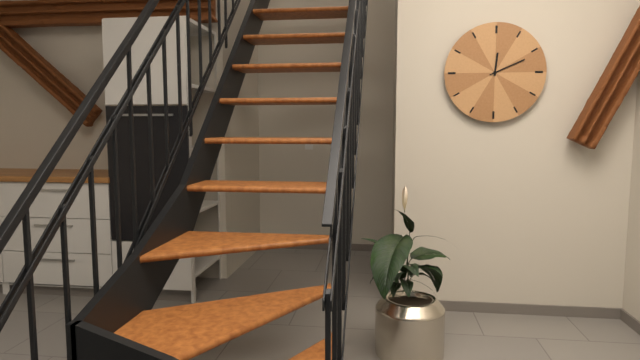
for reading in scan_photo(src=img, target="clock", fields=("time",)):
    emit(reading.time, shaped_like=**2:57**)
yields **12:11**
